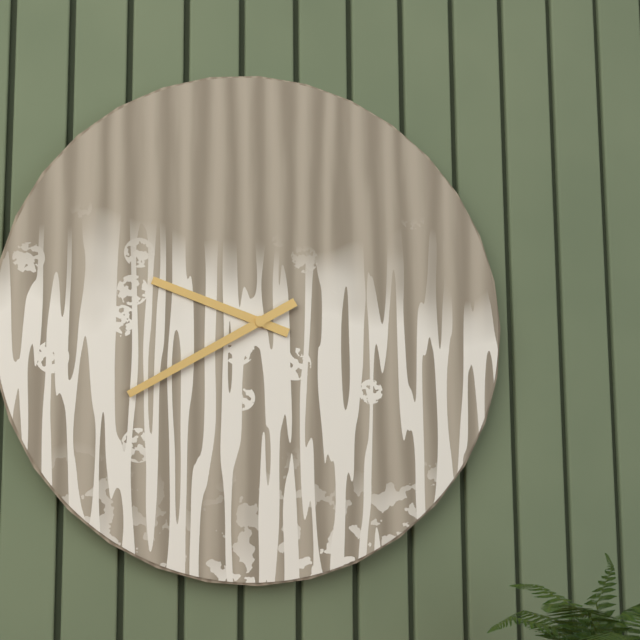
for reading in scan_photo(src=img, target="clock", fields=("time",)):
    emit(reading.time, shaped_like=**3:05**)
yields **9:40**
